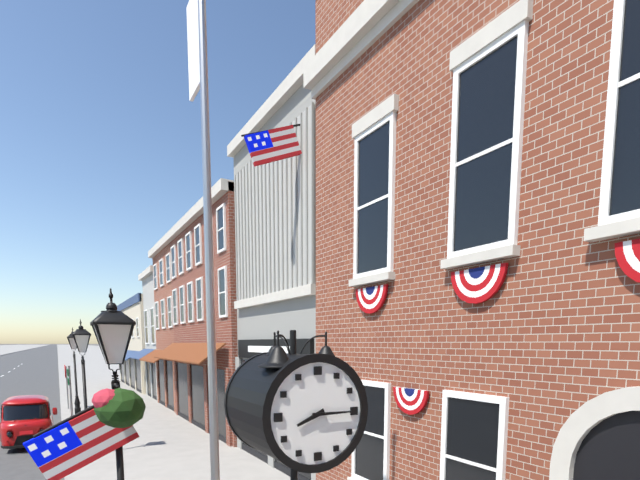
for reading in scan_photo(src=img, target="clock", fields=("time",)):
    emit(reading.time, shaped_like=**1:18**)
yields **8:15**
